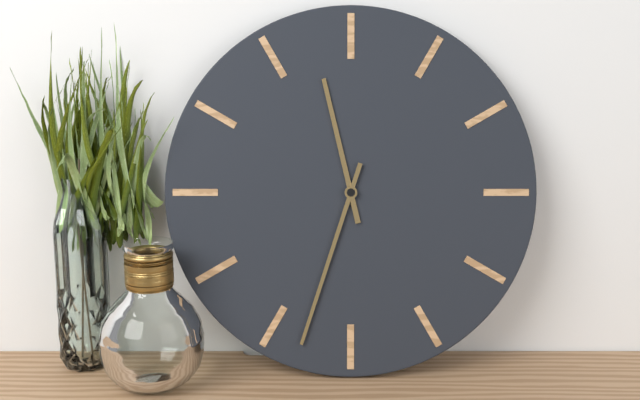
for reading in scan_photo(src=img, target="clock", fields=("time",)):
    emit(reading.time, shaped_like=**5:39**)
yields **11:33**
